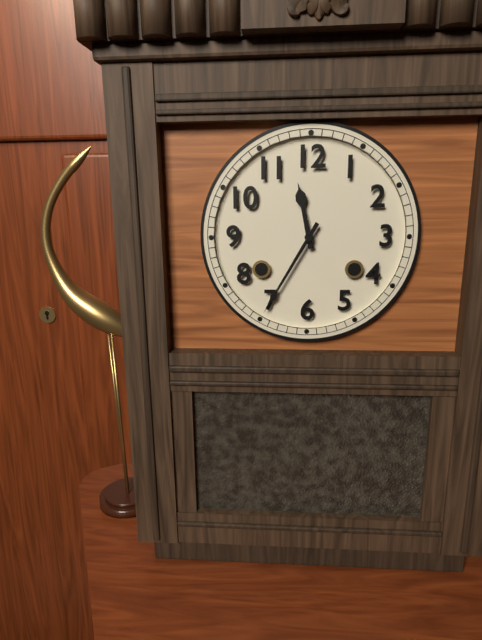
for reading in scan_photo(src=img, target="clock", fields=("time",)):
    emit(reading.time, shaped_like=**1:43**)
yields **11:35**
